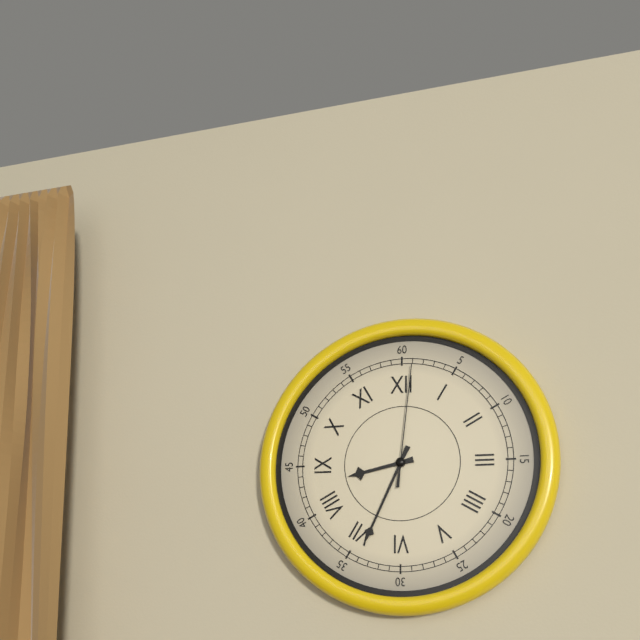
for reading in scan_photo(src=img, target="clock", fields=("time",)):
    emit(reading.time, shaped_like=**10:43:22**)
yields **8:34:01**
